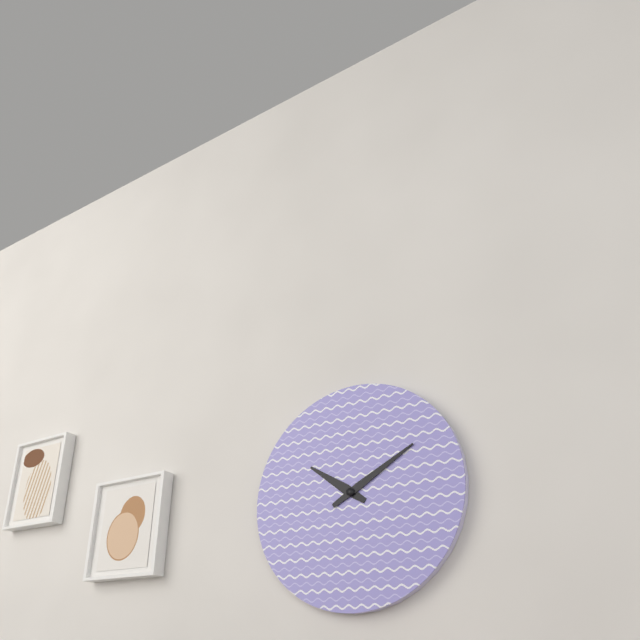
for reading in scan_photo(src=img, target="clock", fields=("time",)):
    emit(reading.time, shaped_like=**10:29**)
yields **10:10**
